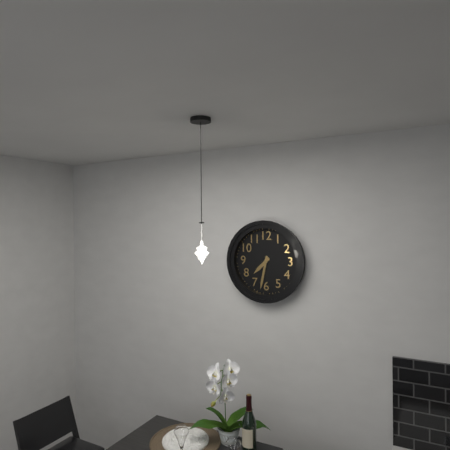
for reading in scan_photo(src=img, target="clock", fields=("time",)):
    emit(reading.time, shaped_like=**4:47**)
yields **7:32**
